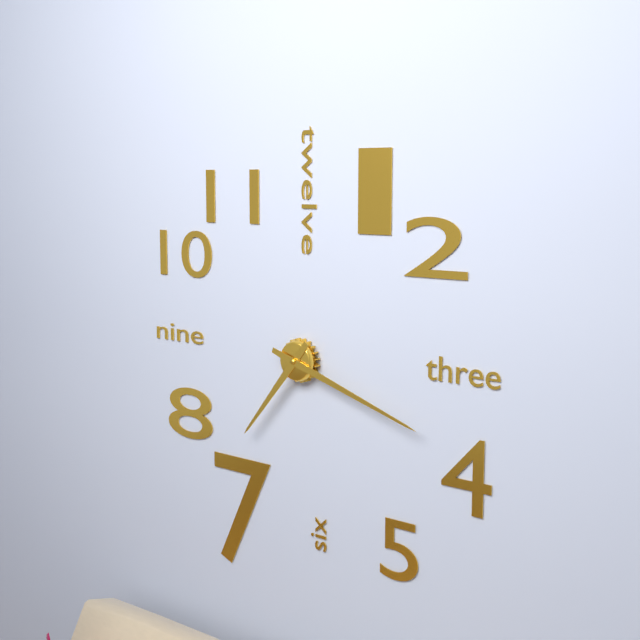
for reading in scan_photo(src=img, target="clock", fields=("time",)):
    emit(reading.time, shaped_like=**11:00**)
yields **7:18**
